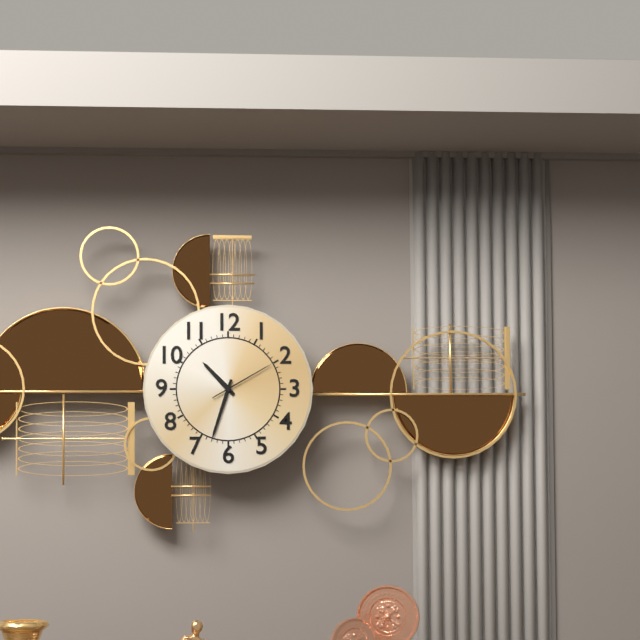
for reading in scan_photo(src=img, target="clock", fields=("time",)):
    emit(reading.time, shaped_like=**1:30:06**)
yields **10:33:10**
